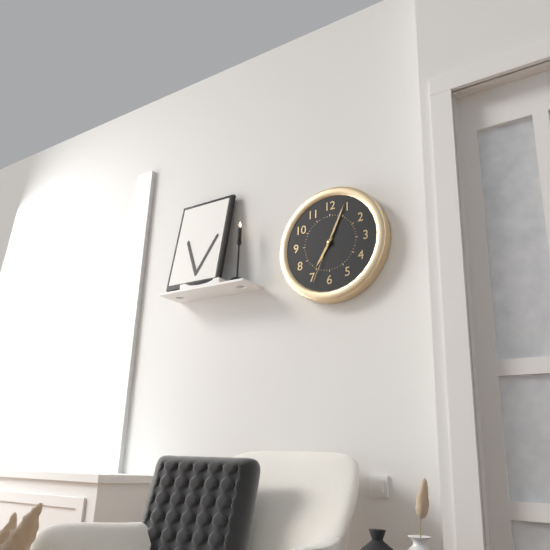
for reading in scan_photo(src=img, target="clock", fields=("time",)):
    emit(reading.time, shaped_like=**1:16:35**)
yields **7:04:34**
